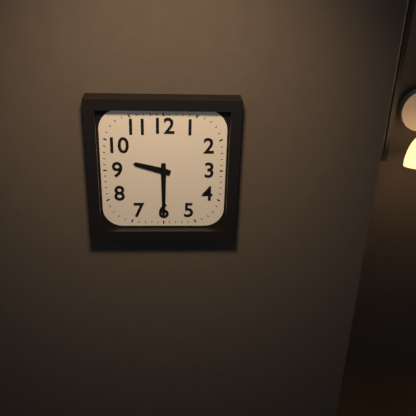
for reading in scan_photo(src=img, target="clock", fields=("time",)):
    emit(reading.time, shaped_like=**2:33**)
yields **9:30**
